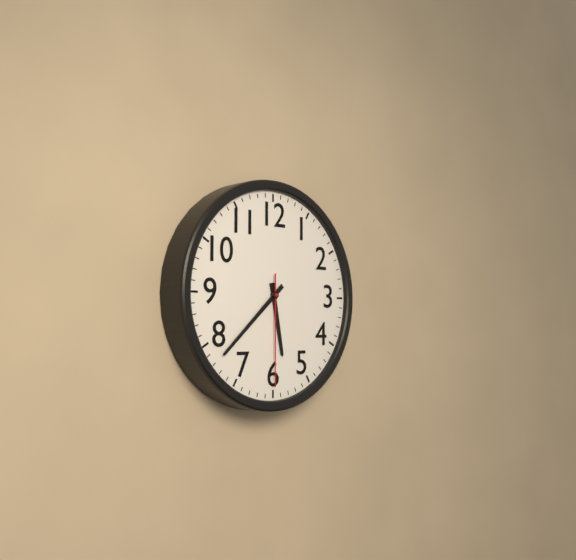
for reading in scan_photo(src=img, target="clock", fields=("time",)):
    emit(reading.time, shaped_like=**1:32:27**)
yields **5:38:30**
